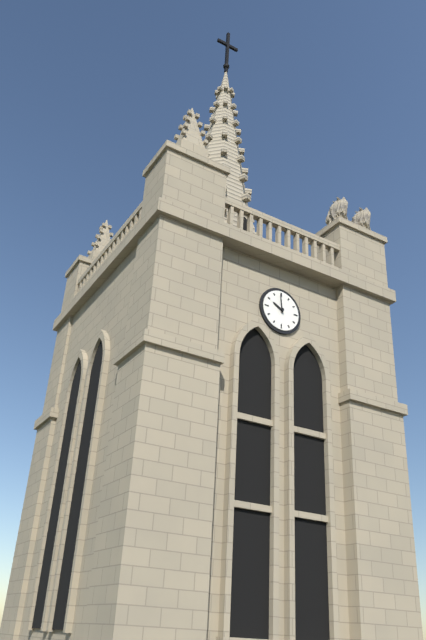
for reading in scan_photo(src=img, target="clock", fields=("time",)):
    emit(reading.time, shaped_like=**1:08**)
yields **9:59**
